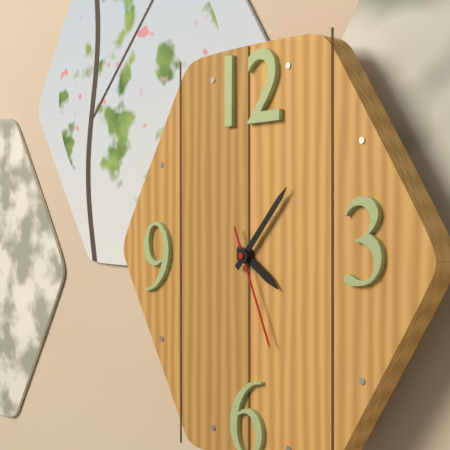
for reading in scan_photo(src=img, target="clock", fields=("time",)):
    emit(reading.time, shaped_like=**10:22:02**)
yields **4:07:26**
